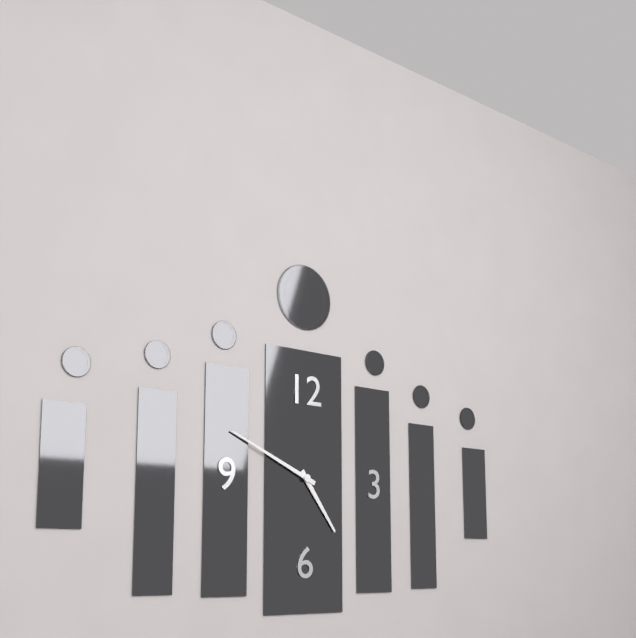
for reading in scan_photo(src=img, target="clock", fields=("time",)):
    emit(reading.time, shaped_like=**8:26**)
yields **4:49**
